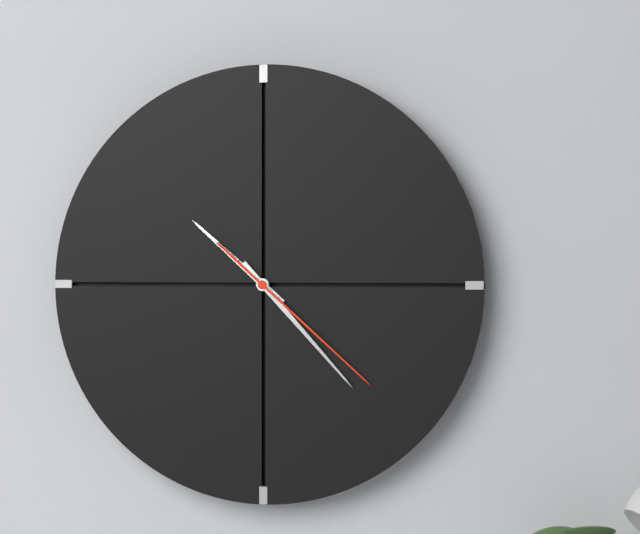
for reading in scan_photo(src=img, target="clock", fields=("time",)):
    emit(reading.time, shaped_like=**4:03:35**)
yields **10:23:22**
